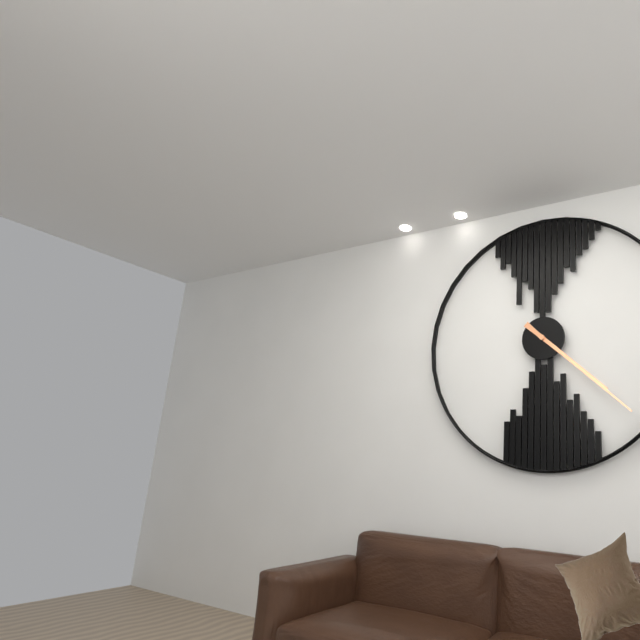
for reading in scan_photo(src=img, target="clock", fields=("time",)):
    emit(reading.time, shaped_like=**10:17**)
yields **4:22**
